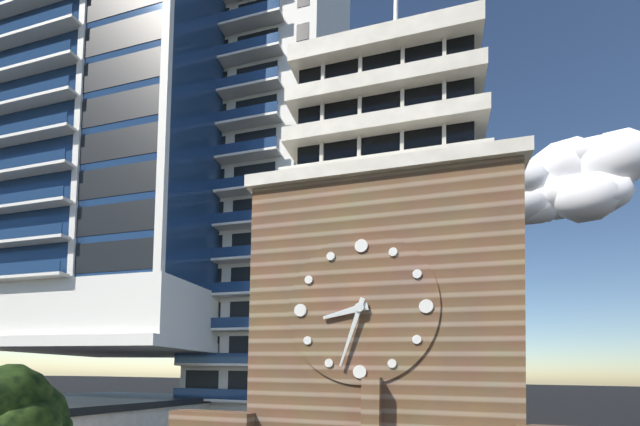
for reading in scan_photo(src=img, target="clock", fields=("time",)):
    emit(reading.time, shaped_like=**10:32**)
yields **8:33**
